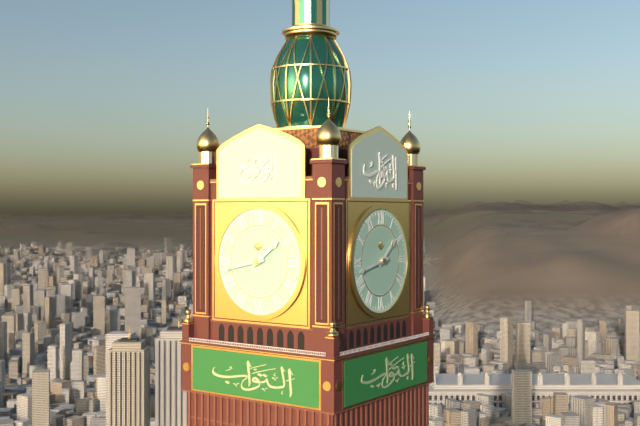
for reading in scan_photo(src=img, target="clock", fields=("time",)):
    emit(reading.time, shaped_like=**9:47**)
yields **1:43**
